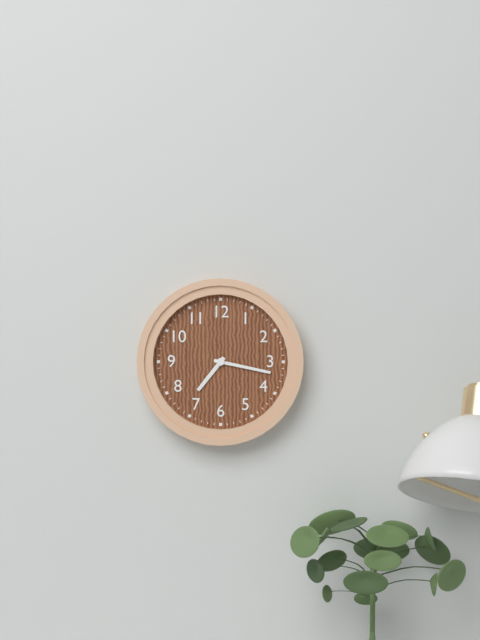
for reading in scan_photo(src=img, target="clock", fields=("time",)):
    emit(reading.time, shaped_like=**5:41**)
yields **7:17**
